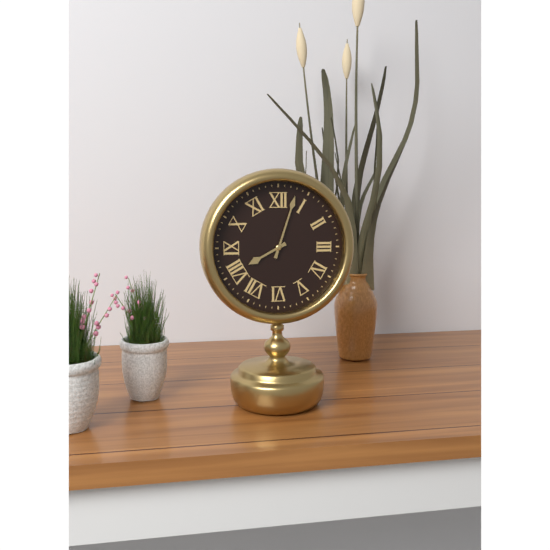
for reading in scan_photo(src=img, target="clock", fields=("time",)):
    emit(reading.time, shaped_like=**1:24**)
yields **8:03**
